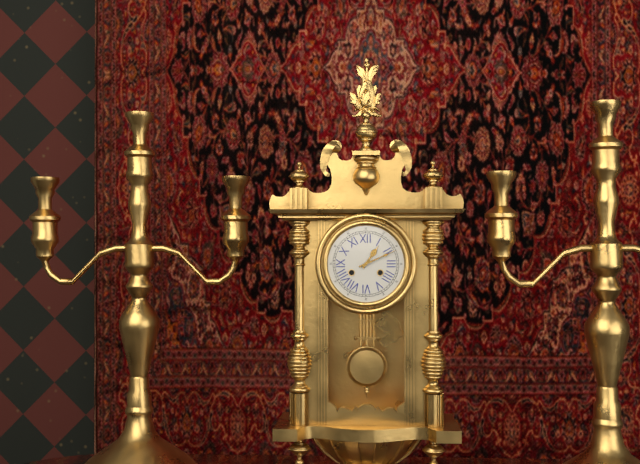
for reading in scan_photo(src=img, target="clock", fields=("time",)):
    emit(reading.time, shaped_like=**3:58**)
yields **1:11**
